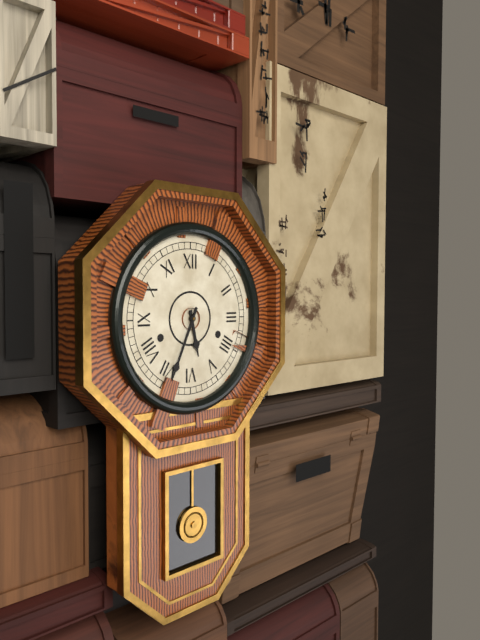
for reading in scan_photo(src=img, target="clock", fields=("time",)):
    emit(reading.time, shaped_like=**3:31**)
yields **5:34**
